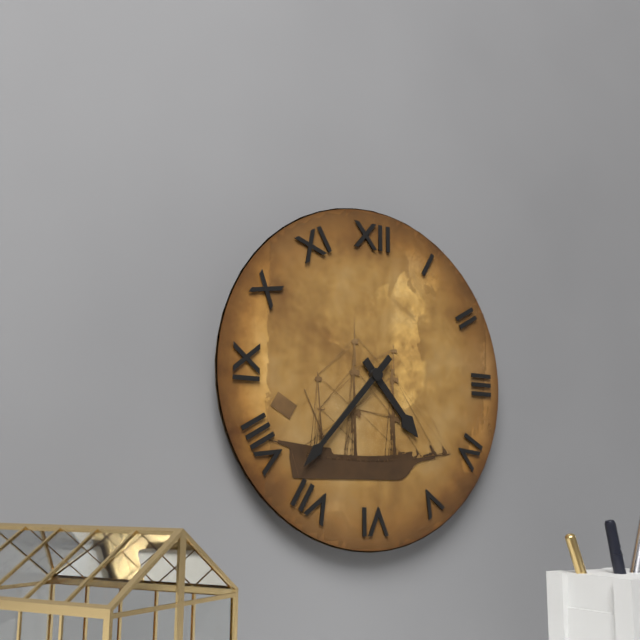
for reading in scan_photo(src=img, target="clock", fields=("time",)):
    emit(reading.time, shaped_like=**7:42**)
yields **4:37**
